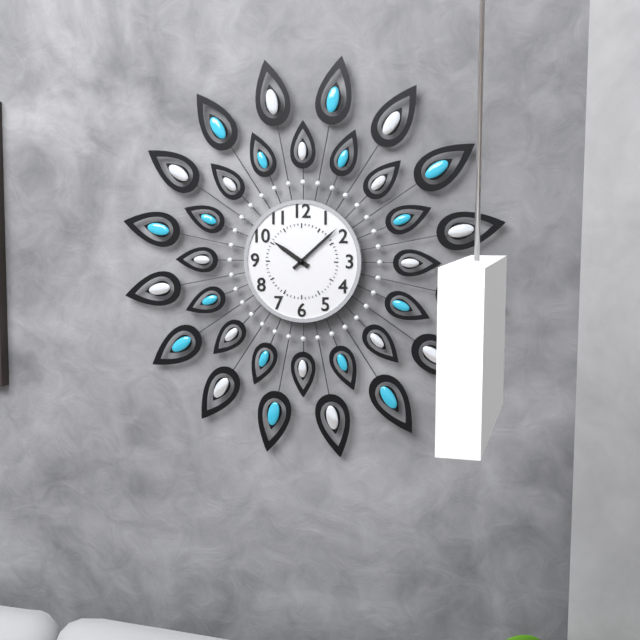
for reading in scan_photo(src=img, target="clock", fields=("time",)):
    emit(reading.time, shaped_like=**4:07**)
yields **10:08**
